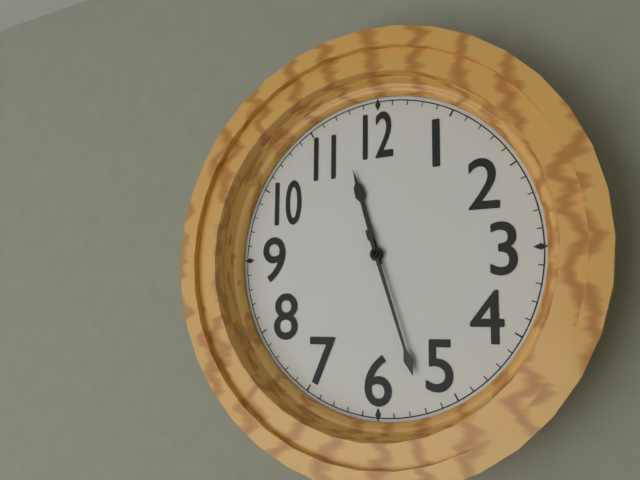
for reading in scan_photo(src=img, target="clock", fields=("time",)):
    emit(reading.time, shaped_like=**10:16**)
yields **11:27**
